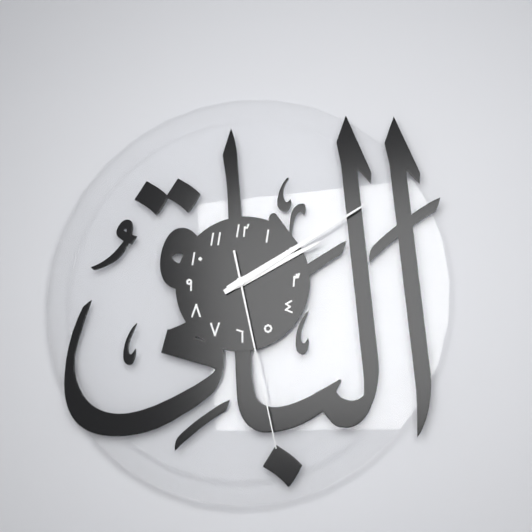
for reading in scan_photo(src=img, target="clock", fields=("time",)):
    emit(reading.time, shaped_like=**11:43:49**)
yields **2:10:28**
